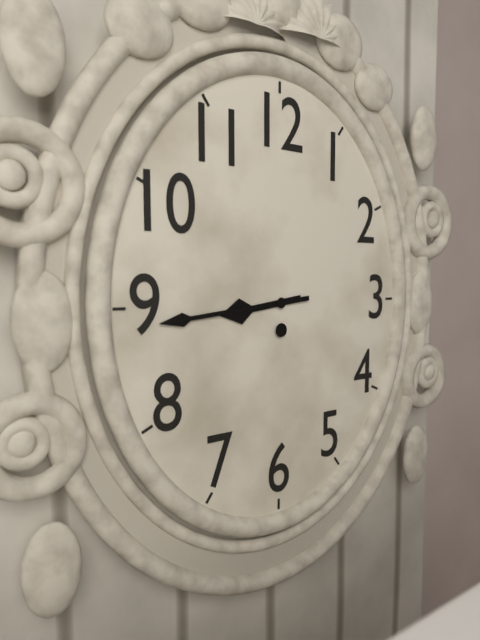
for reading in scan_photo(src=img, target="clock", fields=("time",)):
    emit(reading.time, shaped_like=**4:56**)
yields **8:44**
